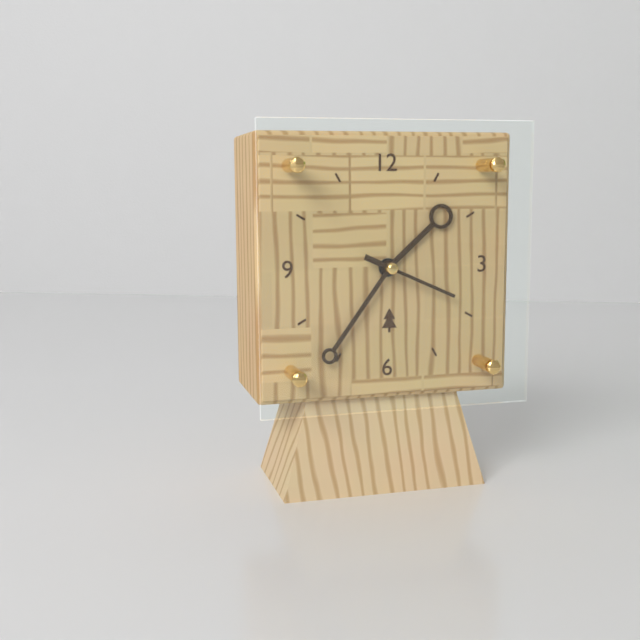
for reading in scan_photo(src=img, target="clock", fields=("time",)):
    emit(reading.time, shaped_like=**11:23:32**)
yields **1:36:19**
